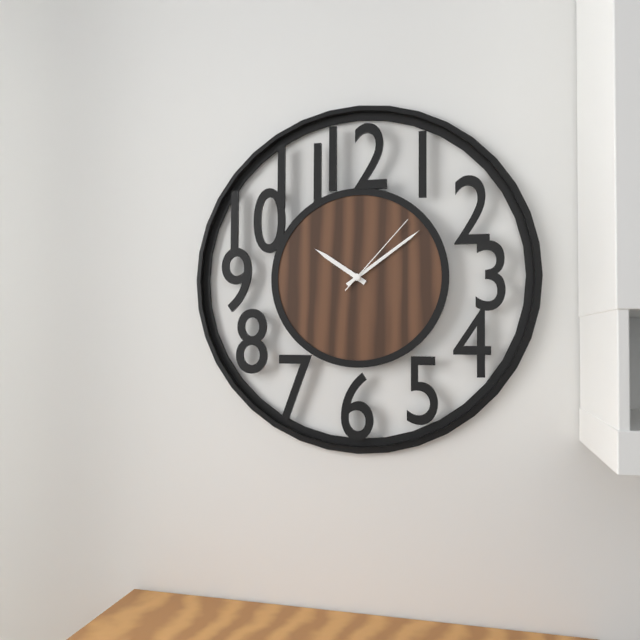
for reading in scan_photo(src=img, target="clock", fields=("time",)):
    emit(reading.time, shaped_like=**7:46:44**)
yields **10:09:07**
